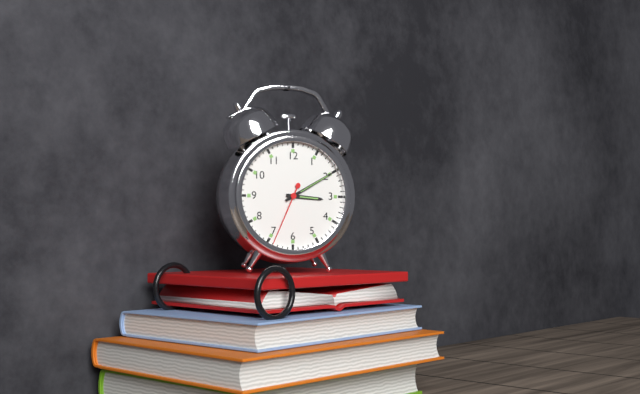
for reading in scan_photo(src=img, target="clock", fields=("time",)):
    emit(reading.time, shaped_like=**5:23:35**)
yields **3:10:34**
